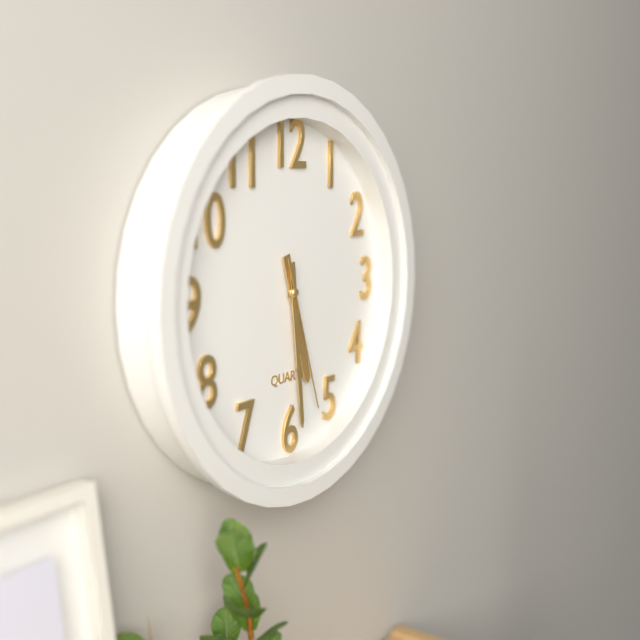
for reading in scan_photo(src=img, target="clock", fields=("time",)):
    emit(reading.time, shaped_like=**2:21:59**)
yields **5:29:27**
